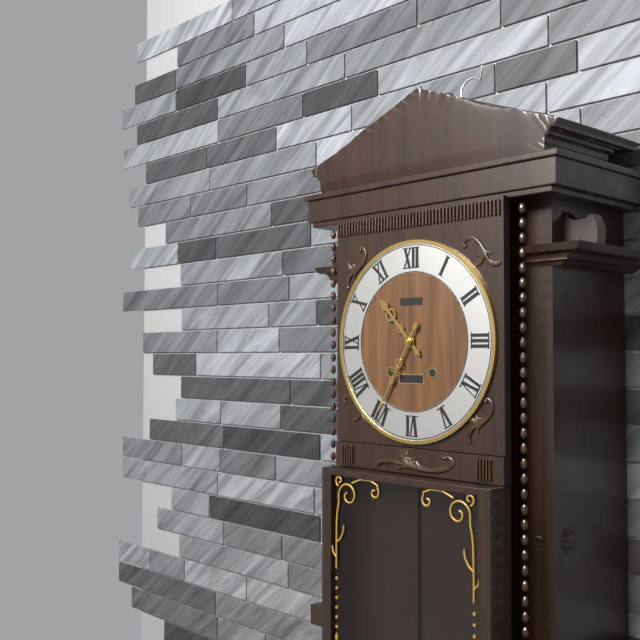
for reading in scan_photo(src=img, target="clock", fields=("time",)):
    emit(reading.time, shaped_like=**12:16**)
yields **10:35**
